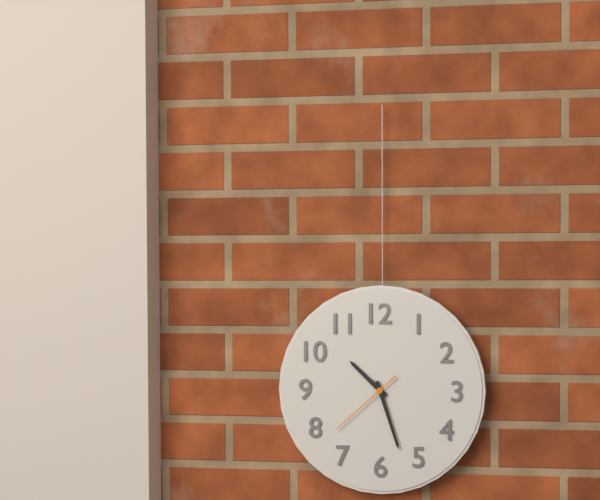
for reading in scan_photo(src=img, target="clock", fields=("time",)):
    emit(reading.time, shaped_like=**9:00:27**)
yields **10:27:38**
